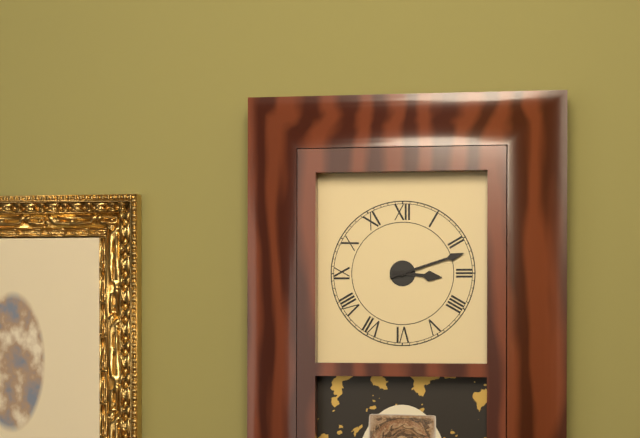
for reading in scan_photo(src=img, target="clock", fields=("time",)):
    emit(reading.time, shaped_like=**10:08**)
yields **3:12**
